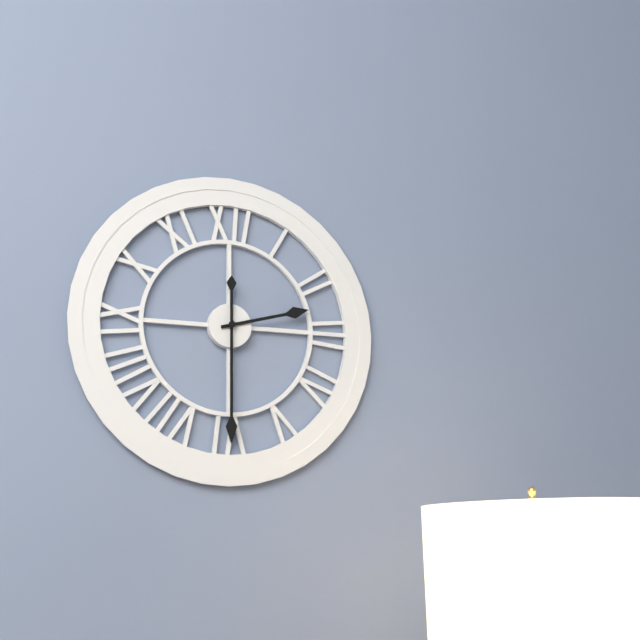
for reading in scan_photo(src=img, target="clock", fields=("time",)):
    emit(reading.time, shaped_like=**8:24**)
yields **2:30**
